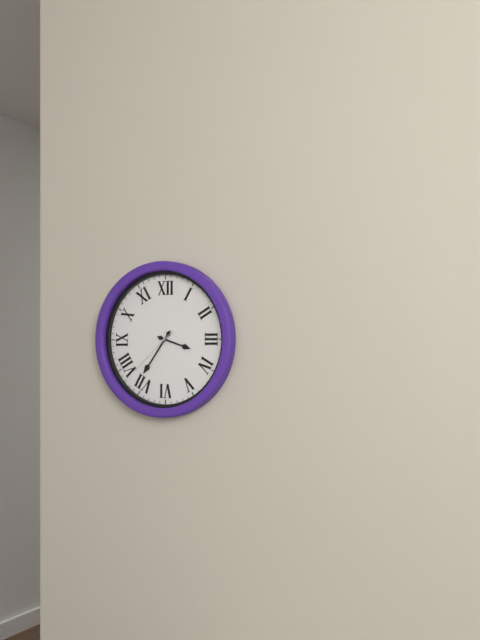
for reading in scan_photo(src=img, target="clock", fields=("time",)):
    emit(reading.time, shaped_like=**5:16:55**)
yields **3:36:38**
